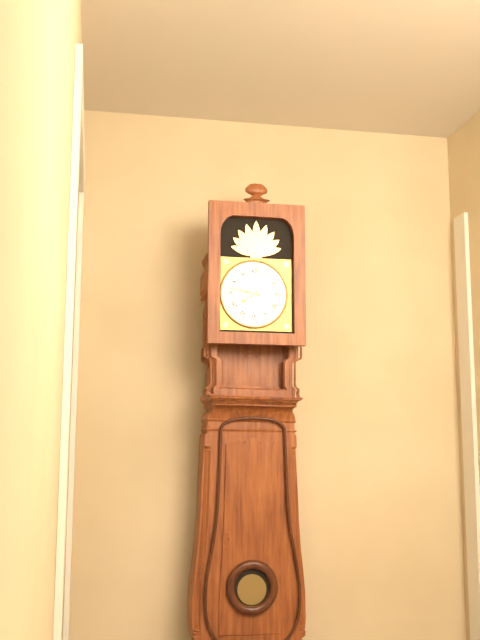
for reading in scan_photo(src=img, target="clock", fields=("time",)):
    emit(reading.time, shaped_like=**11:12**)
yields **7:47**
